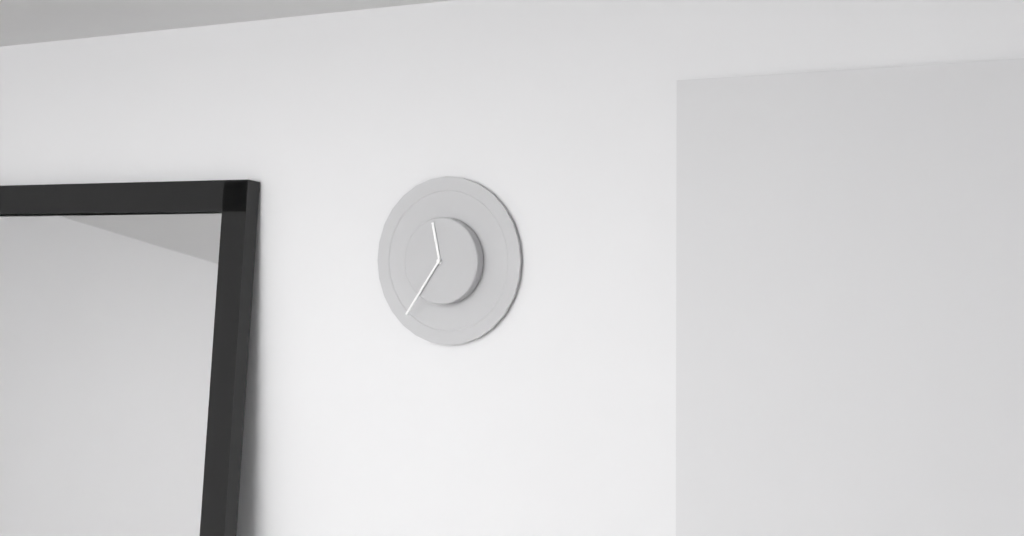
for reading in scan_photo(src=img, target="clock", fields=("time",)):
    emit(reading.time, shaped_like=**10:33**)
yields **11:36**
